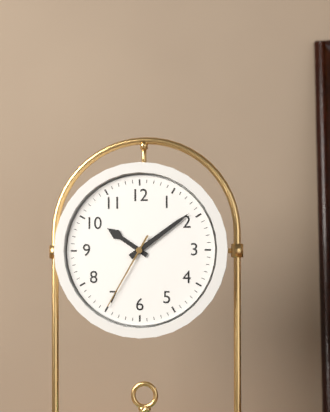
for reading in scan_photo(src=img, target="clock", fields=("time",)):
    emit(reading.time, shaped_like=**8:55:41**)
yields **10:09:35**
